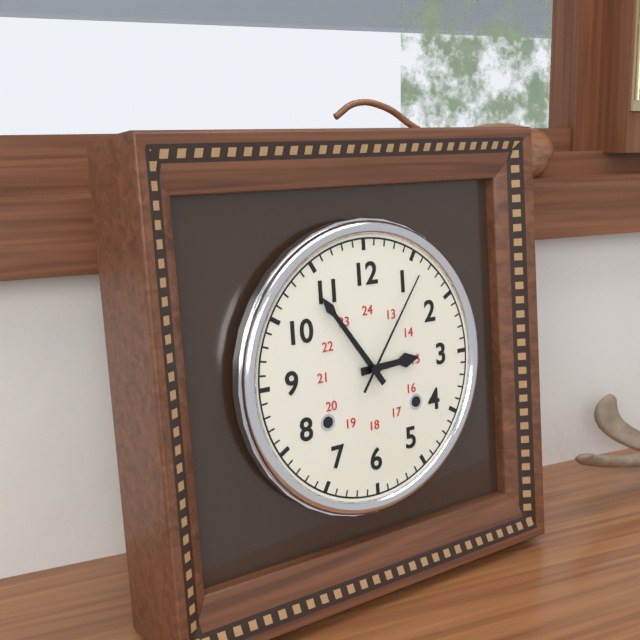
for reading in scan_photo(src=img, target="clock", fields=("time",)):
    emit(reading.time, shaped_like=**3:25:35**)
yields **2:54:06**
